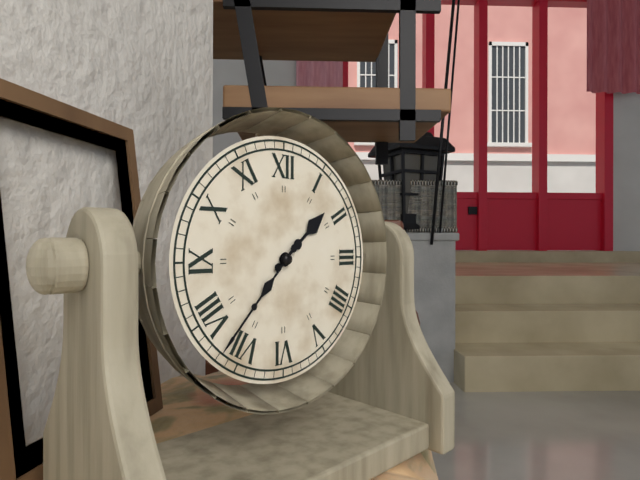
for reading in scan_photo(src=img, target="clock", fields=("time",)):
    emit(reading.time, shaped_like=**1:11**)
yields **1:37**
